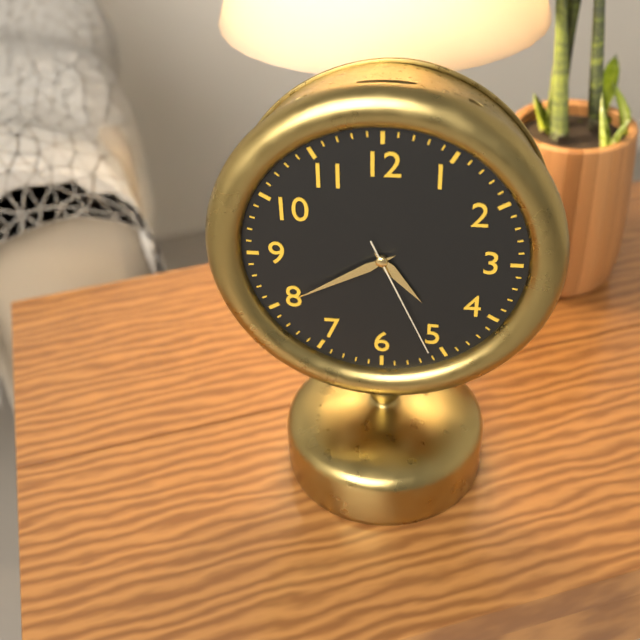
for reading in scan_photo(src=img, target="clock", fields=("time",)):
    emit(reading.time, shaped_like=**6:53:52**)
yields **4:40:26**
